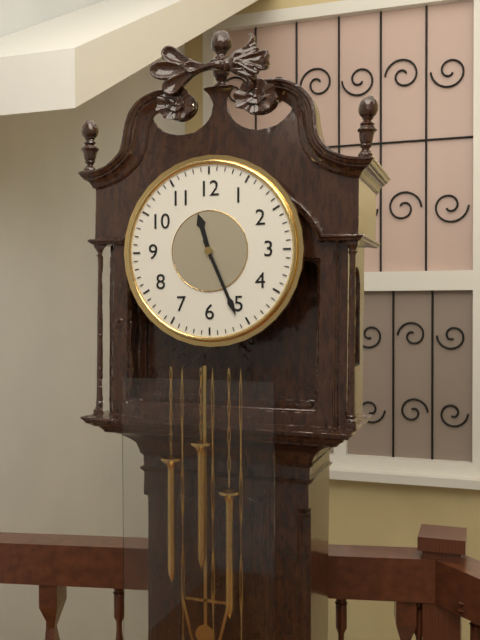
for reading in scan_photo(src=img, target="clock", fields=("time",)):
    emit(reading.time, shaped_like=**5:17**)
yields **11:26**
